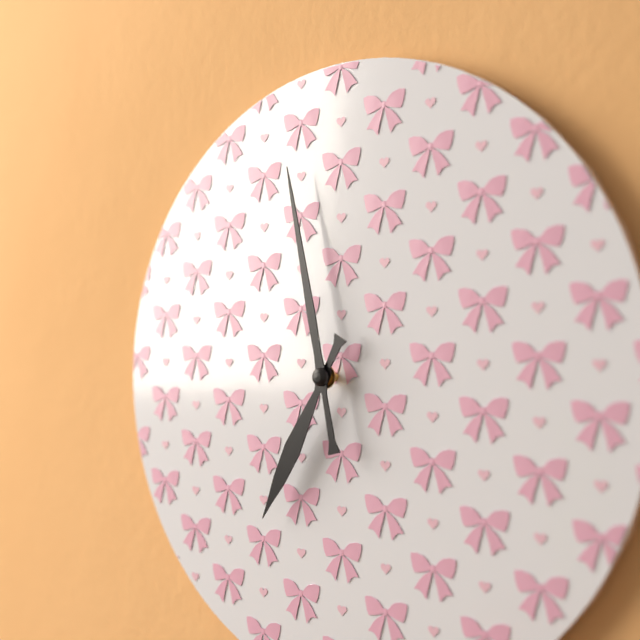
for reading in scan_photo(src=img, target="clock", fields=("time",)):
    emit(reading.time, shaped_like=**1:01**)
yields **6:58**
